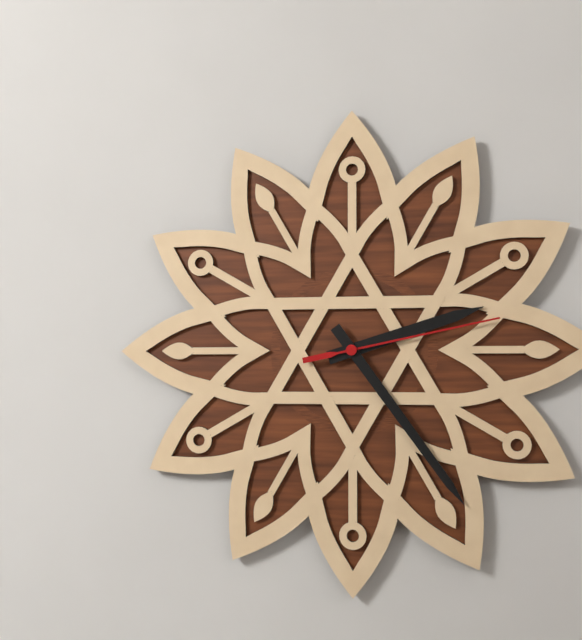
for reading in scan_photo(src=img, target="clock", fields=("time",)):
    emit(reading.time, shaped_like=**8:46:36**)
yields **2:24:13**
